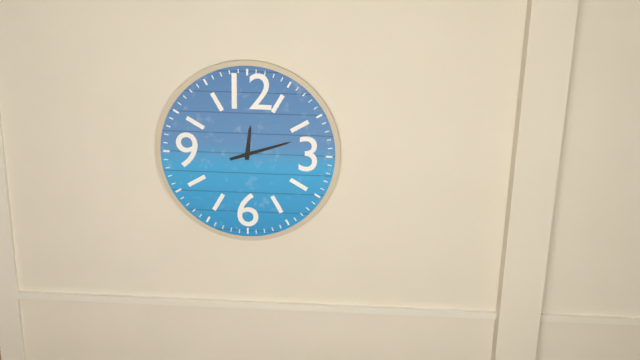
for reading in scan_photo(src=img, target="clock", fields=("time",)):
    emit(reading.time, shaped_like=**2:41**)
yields **12:12**
